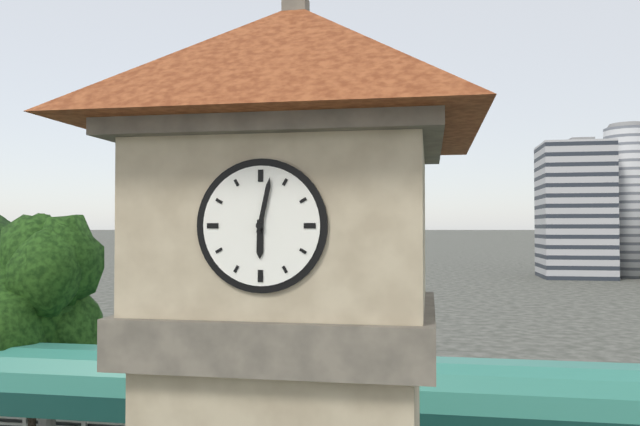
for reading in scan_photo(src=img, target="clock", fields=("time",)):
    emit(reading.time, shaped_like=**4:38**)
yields **6:02**
